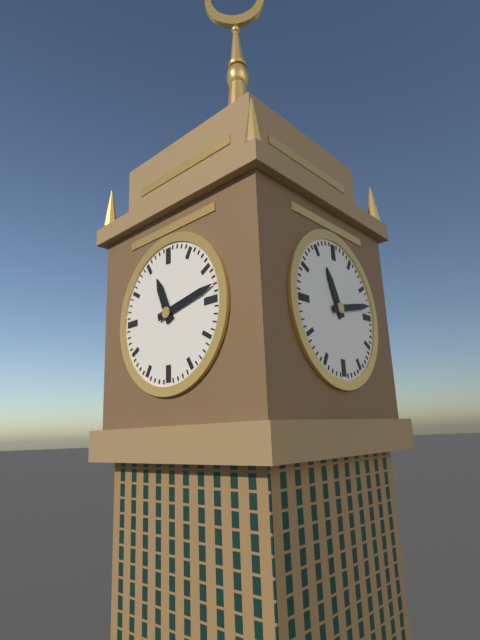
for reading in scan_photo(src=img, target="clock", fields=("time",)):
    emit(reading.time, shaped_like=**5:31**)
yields **11:13**
